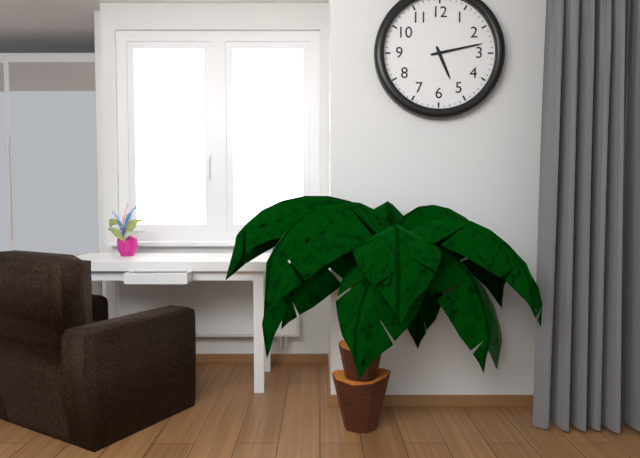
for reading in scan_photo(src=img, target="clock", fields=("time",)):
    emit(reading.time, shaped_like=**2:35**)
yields **5:13**
